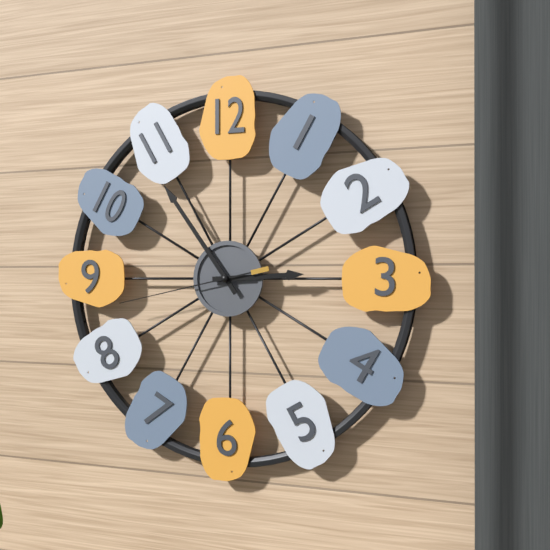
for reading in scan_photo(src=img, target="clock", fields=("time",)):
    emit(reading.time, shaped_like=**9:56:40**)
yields **2:54:43**
